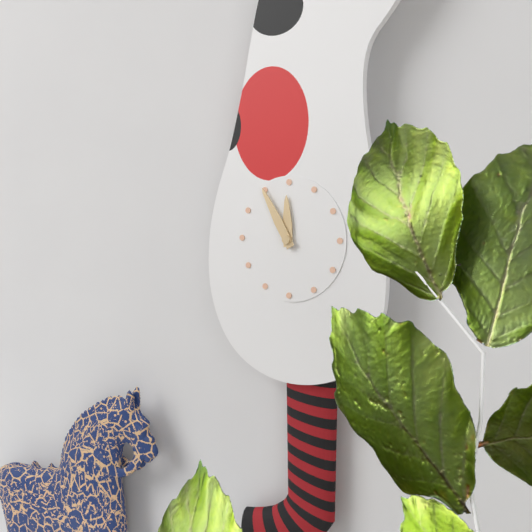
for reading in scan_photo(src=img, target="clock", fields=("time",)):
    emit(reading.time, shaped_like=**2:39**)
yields **11:55**
